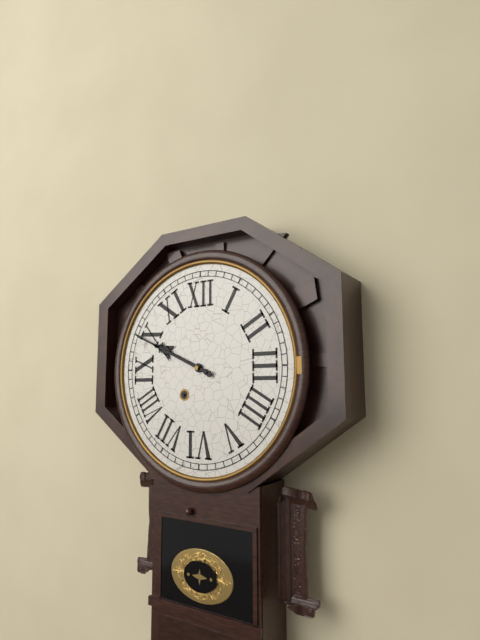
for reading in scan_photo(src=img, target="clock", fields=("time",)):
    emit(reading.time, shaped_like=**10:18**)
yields **9:49**
